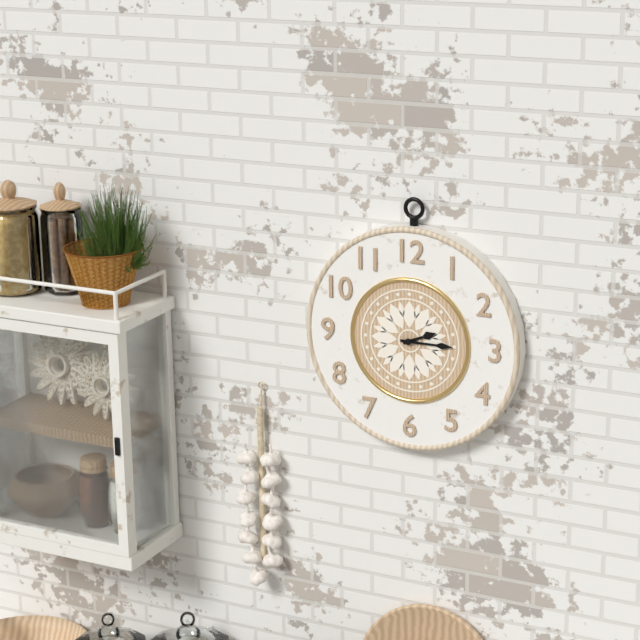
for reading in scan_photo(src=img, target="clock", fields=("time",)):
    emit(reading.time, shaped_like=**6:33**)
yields **2:15**
